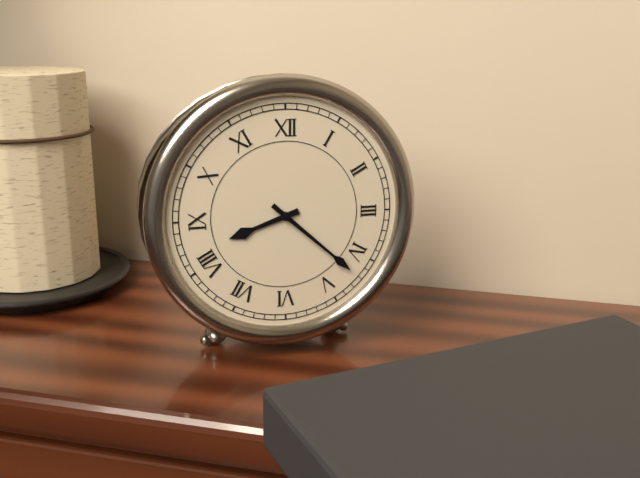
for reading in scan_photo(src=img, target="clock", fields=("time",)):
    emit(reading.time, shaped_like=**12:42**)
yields **8:22**
